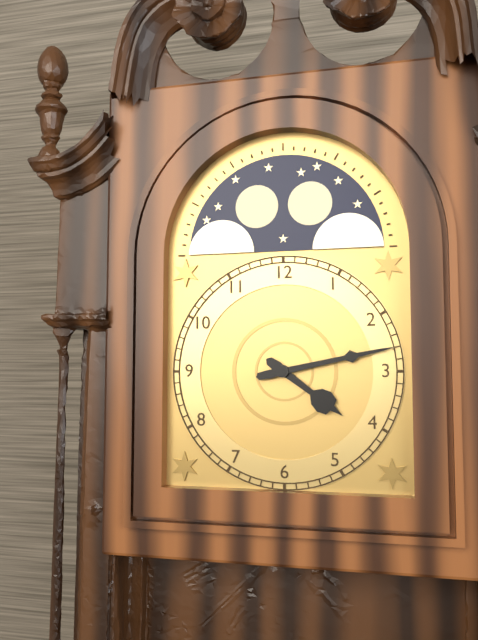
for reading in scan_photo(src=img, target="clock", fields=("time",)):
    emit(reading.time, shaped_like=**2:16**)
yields **4:13**
